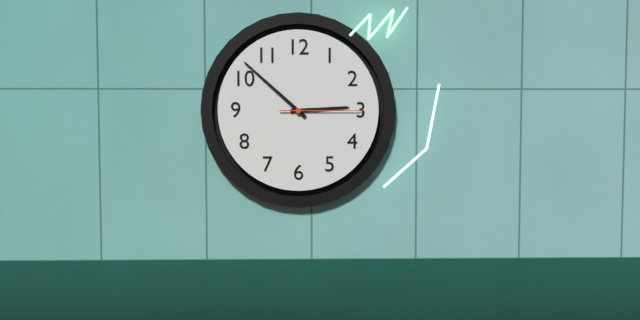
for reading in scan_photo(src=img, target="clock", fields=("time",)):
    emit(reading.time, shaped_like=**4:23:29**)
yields **2:52:15**
